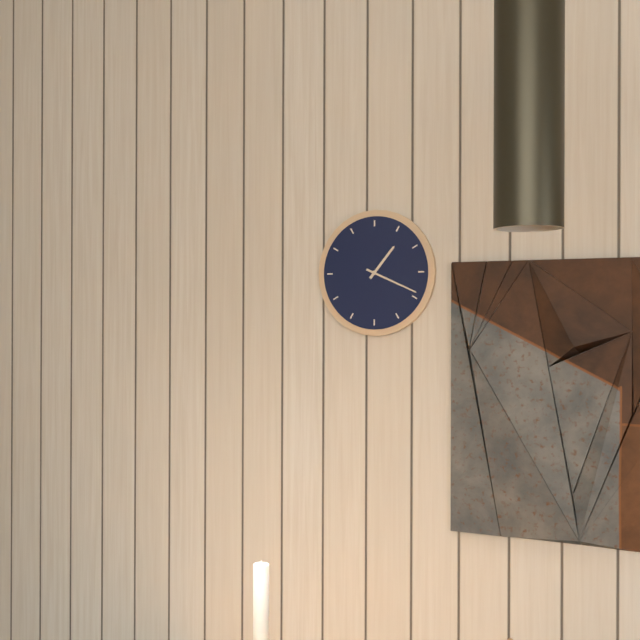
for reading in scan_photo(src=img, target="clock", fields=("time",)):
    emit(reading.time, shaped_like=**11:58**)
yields **1:19**
